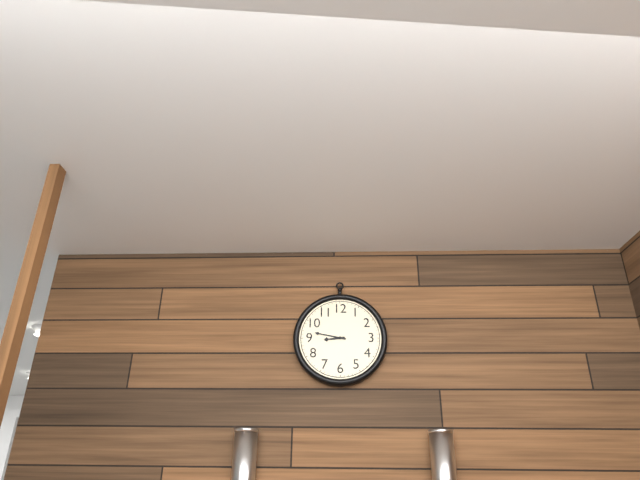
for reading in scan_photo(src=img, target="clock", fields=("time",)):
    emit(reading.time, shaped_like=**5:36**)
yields **8:47**
